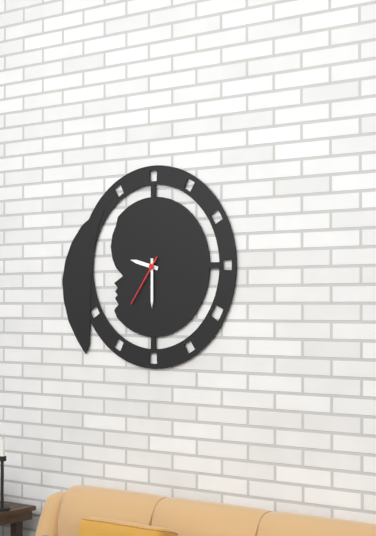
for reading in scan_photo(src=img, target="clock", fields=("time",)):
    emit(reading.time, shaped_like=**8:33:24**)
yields **9:30:36**
